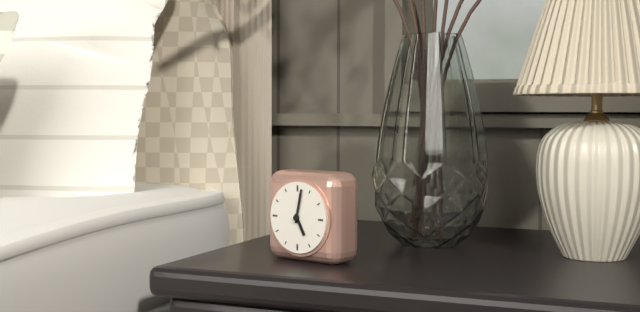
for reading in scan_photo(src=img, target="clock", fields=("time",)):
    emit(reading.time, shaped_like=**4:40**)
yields **5:02**
